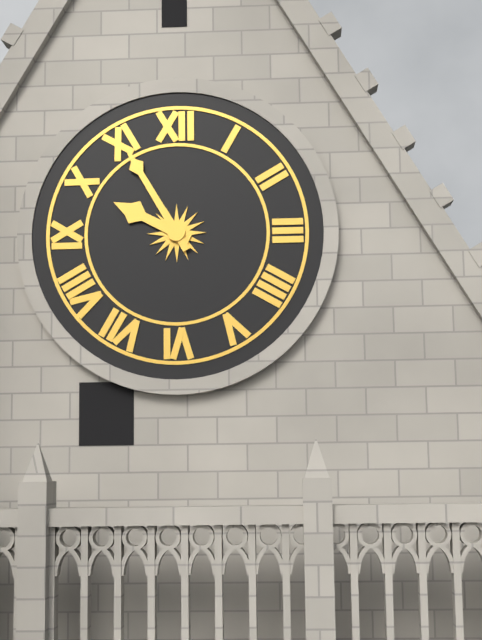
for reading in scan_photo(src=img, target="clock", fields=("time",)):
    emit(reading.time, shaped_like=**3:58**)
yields **9:55**
